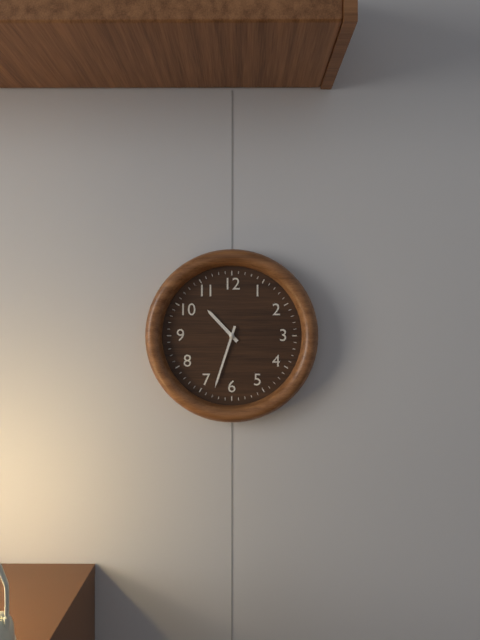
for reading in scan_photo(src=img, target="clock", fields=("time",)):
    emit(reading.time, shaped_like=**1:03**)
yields **10:33**
